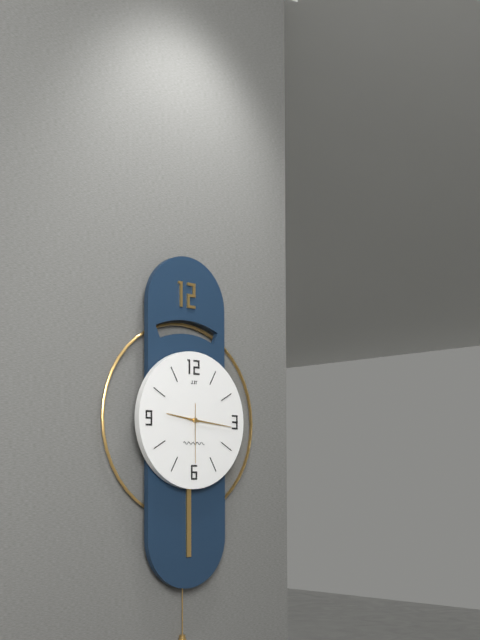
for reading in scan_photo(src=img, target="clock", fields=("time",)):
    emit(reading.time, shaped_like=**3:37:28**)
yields **9:16:30**
